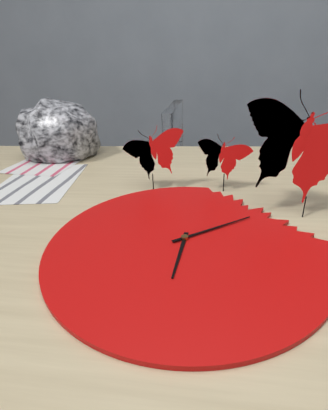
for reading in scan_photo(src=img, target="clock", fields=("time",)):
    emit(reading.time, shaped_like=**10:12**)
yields **6:09**
